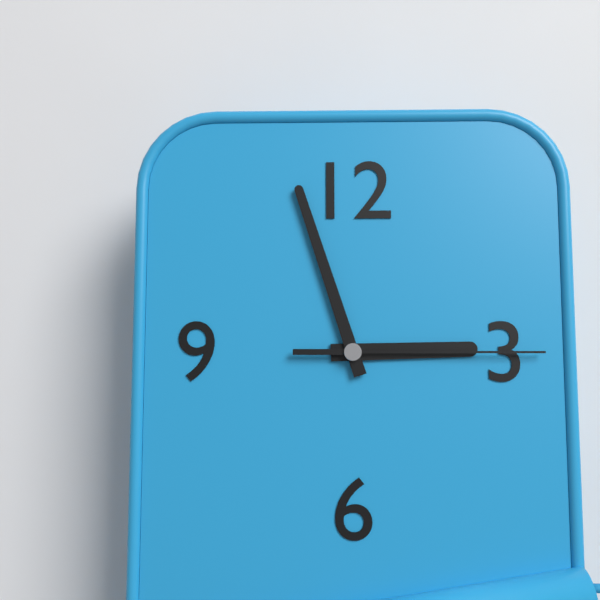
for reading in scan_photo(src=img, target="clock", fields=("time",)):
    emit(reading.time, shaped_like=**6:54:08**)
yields **2:57:15**
